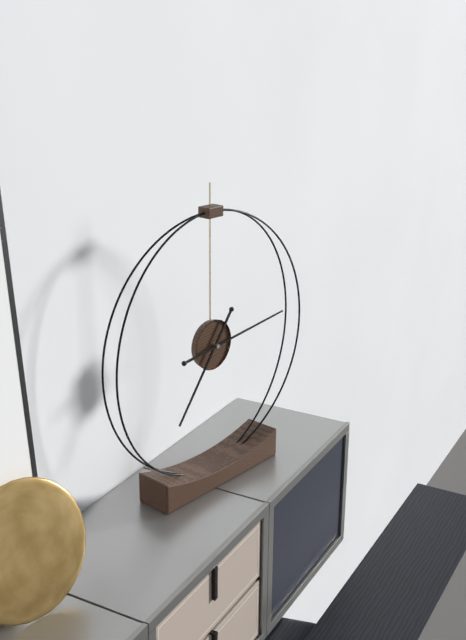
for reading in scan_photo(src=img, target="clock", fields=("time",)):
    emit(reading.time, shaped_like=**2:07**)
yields **7:14**
